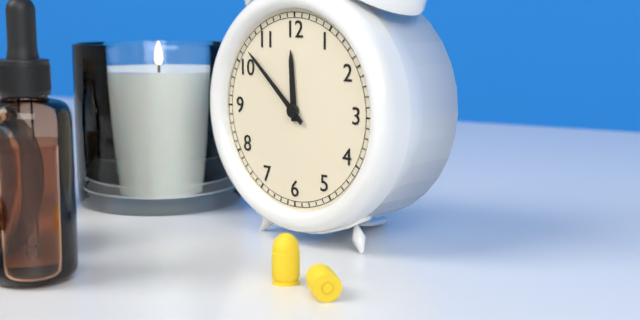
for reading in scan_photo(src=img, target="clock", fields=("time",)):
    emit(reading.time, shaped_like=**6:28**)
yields **11:52**
